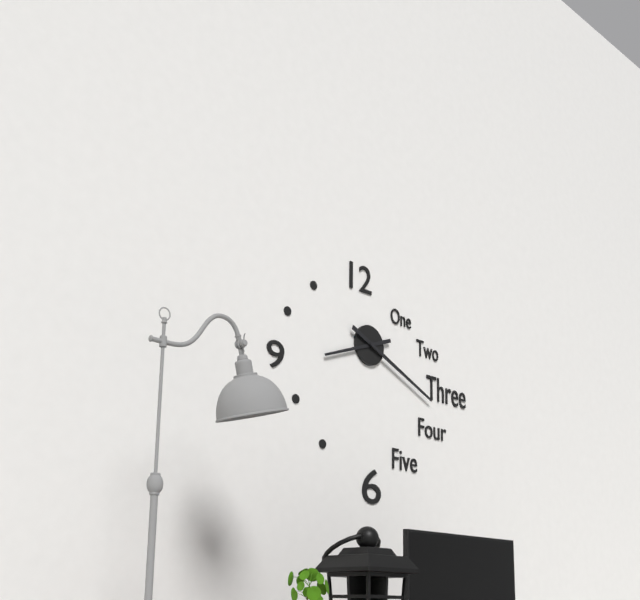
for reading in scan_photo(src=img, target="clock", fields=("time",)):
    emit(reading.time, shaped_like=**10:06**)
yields **8:19**
